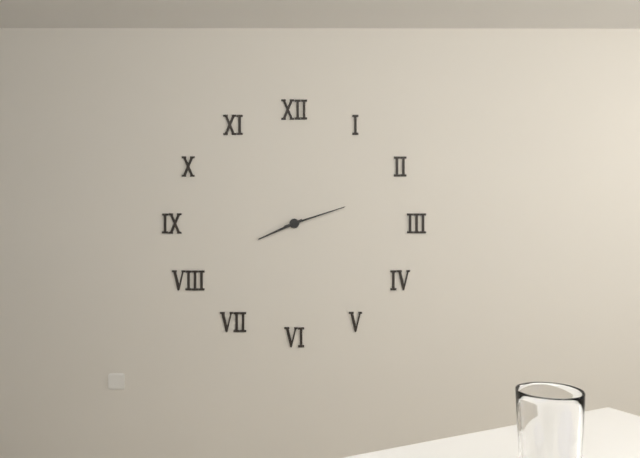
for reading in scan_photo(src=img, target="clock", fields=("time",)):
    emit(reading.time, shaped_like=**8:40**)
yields **8:12**
